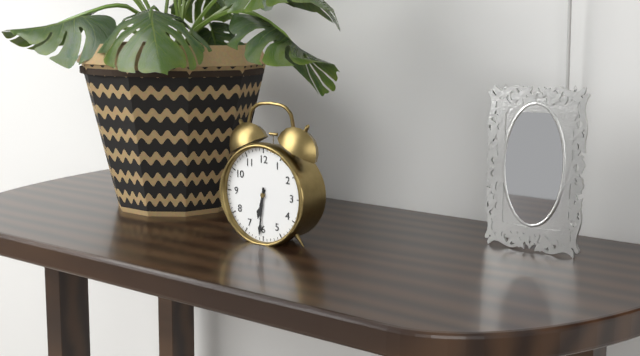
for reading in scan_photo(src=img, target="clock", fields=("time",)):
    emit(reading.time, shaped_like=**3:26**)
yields **6:31**
